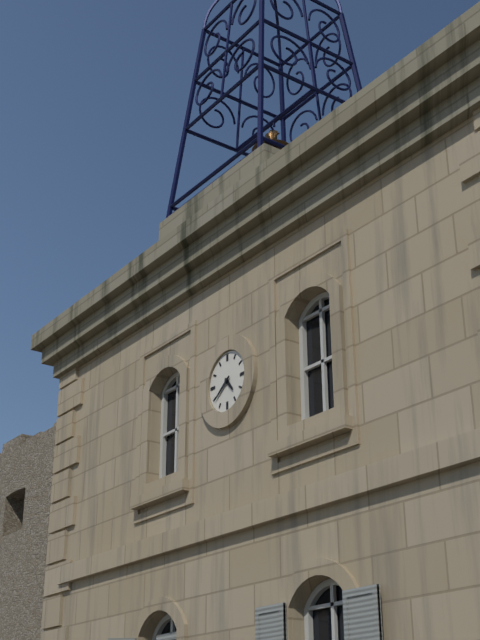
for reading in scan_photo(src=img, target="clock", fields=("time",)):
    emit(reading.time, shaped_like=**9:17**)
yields **4:39**
